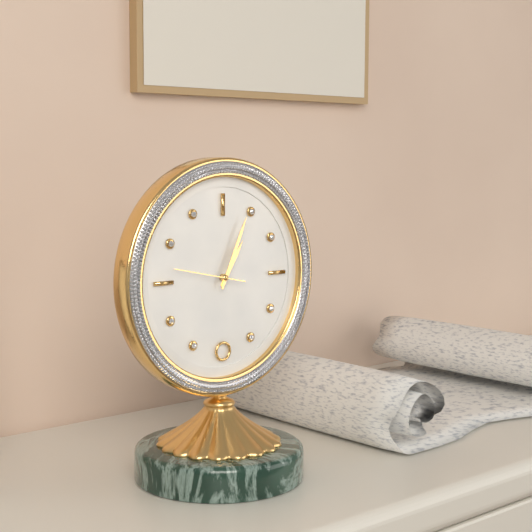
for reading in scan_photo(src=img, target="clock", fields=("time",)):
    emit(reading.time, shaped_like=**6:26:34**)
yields **1:04:47**
